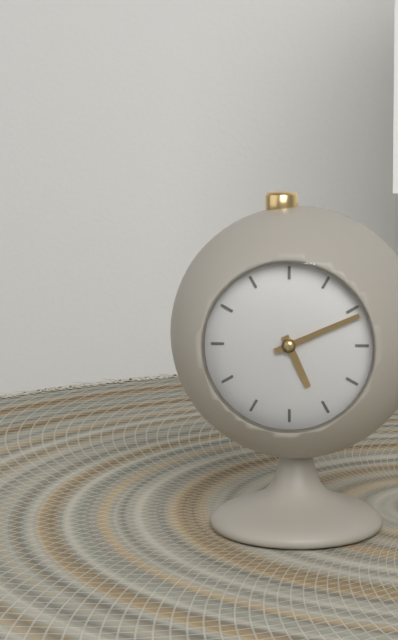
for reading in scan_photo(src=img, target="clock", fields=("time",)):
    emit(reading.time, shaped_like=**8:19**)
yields **5:11**
